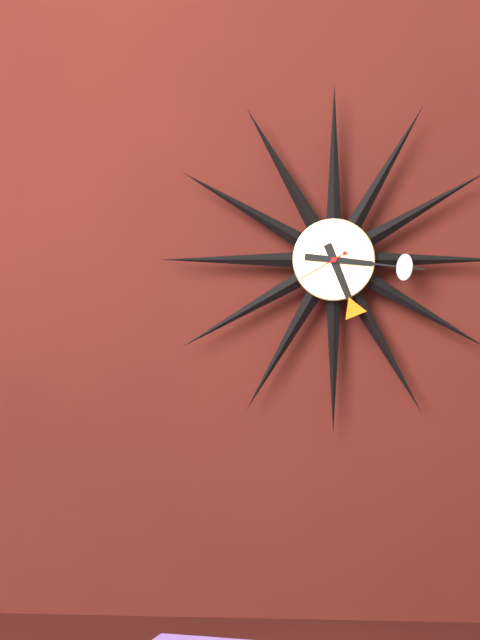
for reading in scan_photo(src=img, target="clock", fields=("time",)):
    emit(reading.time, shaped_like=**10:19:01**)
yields **5:16:40**
